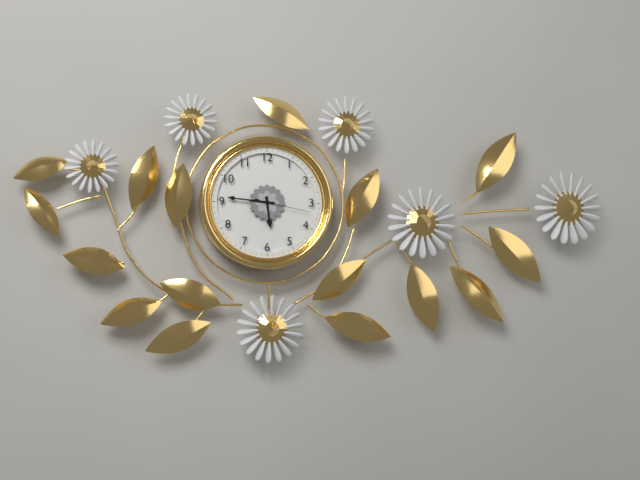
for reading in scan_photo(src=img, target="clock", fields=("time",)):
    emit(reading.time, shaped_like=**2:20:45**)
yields **5:46:17**
